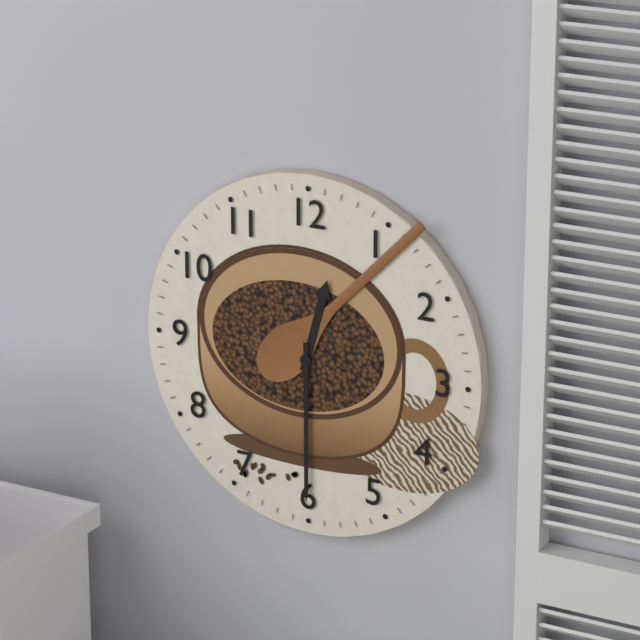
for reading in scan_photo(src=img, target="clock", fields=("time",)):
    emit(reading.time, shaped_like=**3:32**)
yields **12:30**
